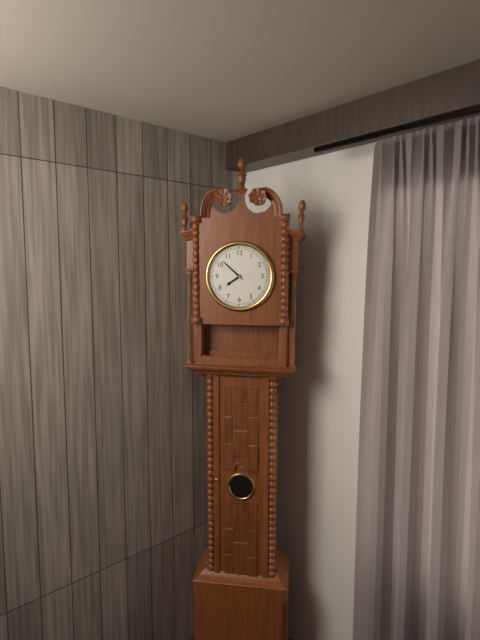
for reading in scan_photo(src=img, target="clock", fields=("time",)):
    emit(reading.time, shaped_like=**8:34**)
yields **7:52**
